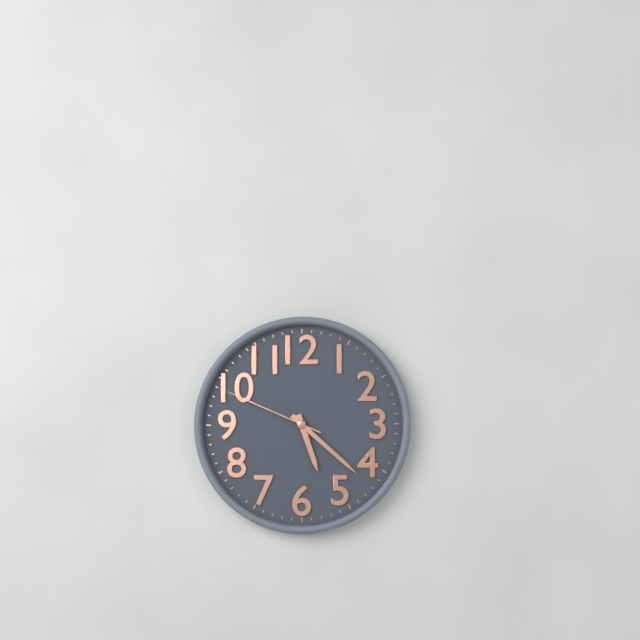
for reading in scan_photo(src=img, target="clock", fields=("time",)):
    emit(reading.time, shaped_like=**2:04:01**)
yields **5:22:49**
